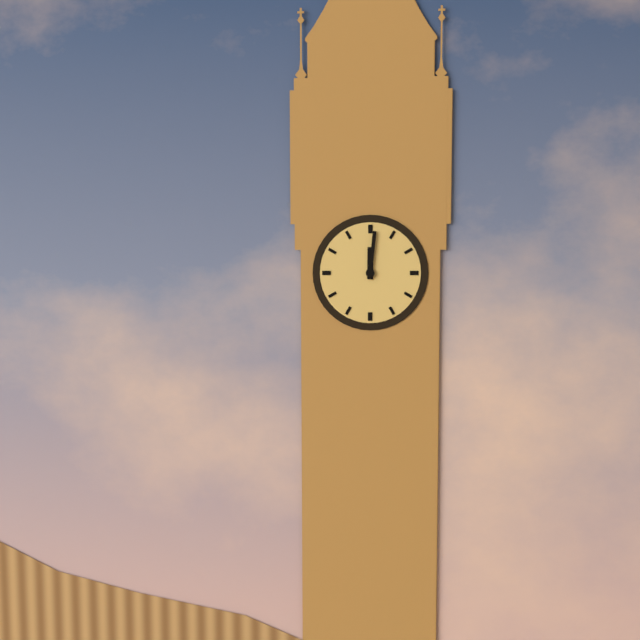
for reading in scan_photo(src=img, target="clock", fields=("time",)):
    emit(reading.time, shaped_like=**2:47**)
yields **12:01**
